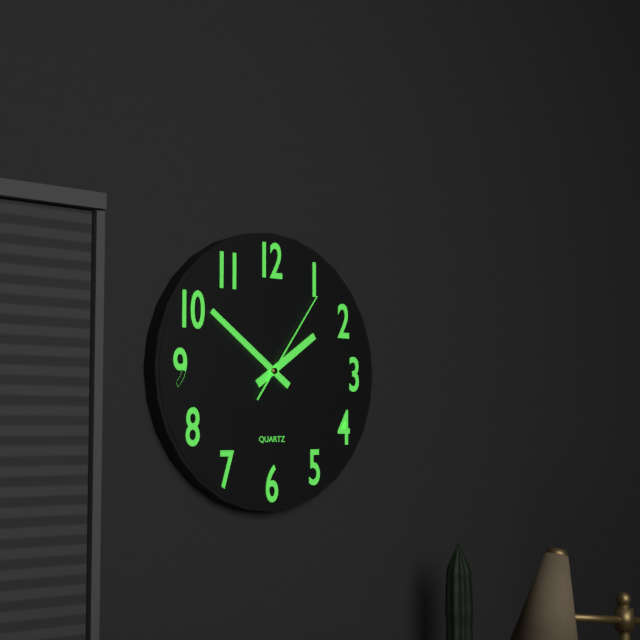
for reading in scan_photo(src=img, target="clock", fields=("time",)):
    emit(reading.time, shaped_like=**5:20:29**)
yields **1:51:06**
